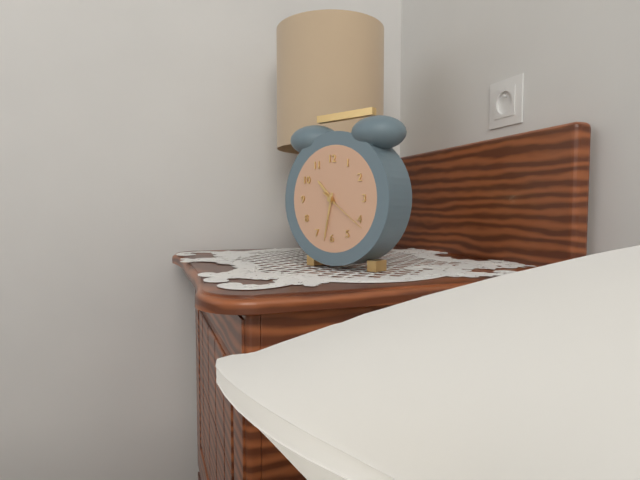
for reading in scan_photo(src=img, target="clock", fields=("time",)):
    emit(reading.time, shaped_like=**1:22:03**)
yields **10:32:21**
